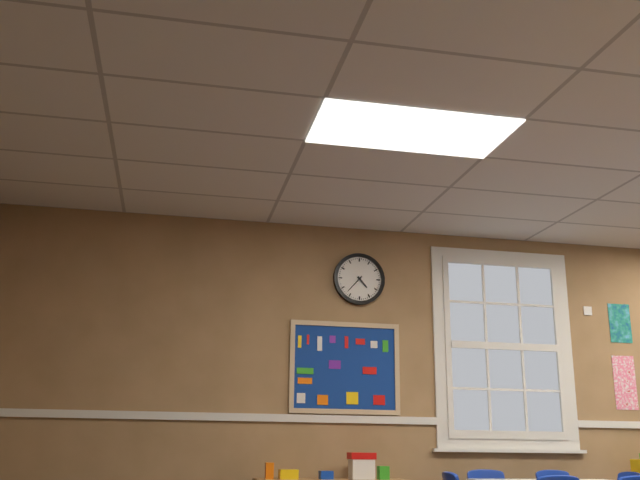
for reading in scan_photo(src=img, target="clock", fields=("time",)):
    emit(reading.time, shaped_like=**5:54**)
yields **4:37**
